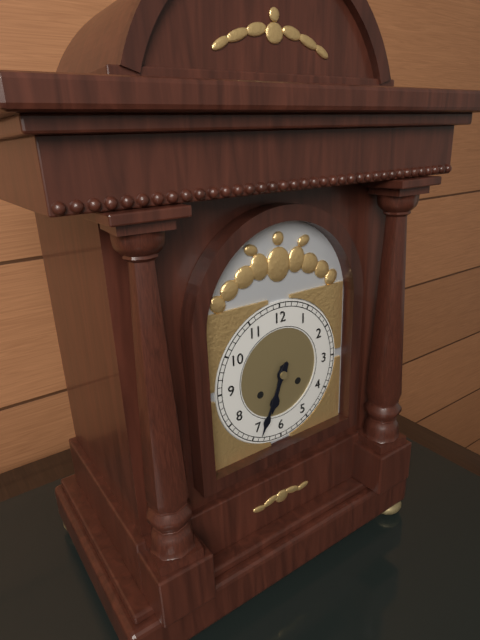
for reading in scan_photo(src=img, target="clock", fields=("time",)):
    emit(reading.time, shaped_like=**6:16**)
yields **6:34**
